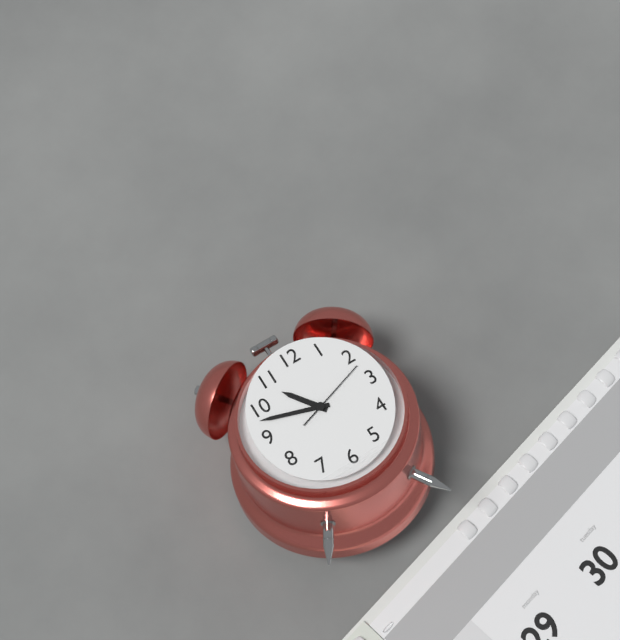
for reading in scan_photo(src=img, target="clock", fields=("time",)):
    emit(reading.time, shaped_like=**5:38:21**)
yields **10:48:12**
